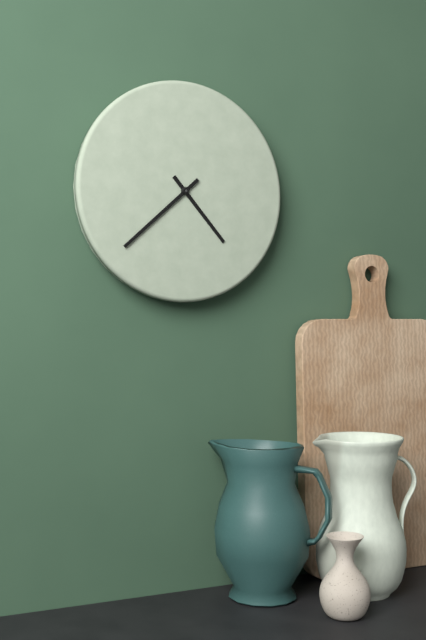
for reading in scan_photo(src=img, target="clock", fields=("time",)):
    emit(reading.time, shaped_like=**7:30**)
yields **4:38**
